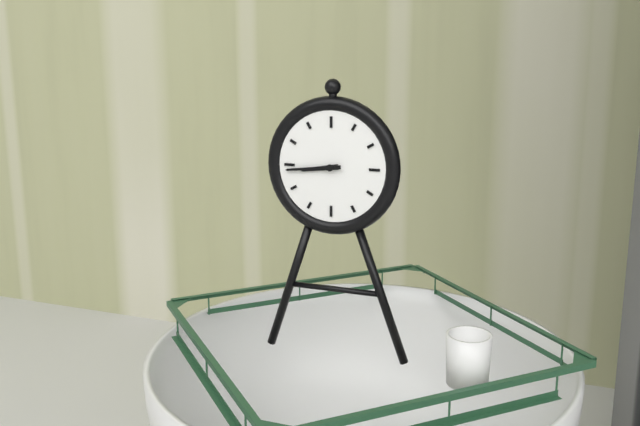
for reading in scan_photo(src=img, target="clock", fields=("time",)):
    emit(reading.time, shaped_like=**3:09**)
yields **8:44**
